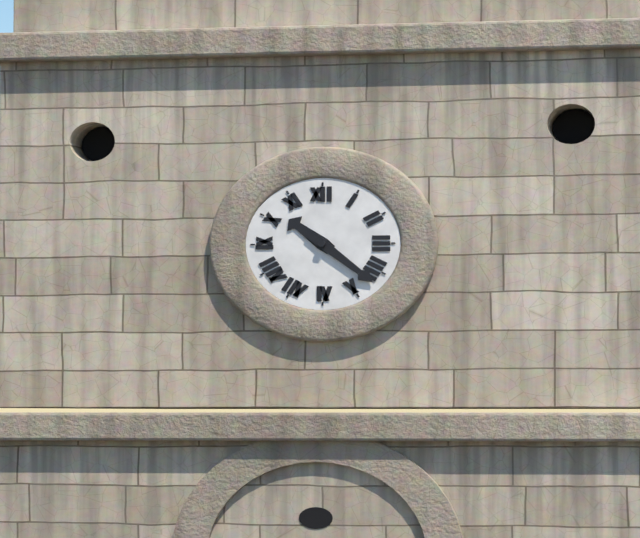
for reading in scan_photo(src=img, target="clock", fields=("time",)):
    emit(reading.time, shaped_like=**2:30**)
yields **10:22**
